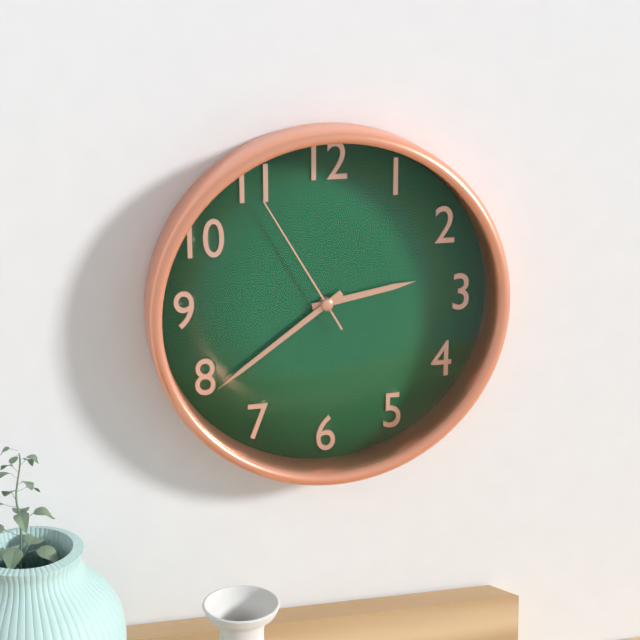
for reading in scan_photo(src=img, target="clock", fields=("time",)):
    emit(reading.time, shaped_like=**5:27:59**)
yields **2:39:55**
